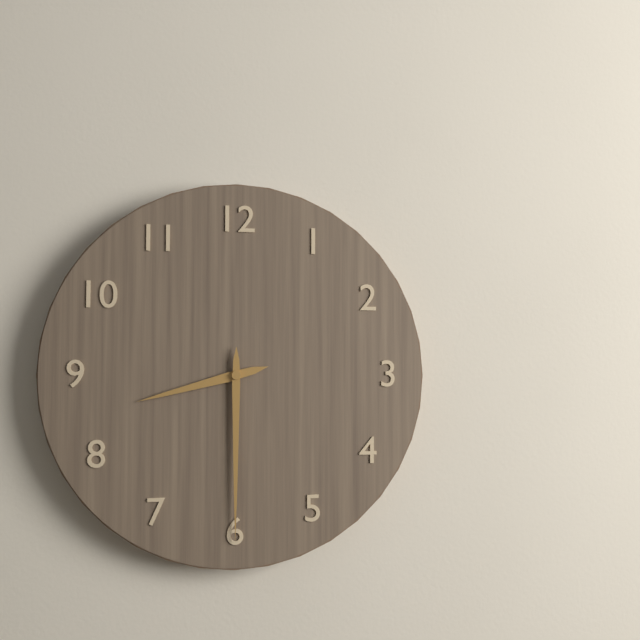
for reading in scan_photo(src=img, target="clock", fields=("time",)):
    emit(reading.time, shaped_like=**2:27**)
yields **8:30**
